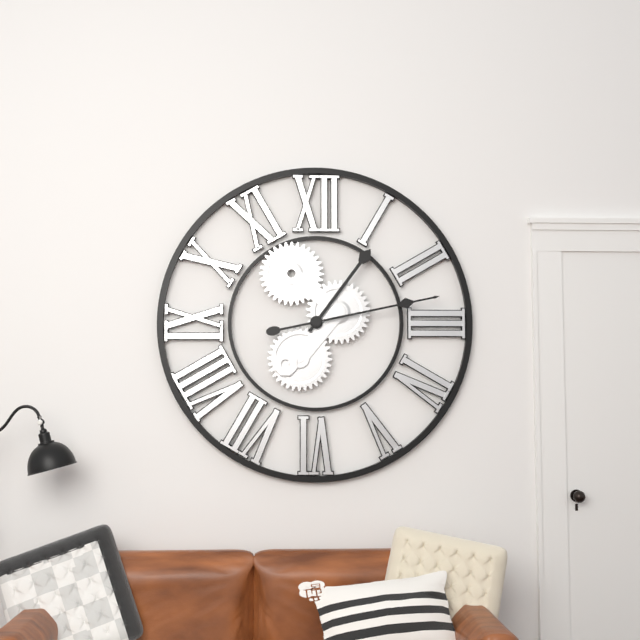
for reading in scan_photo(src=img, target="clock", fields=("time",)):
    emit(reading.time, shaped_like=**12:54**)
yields **1:13**
